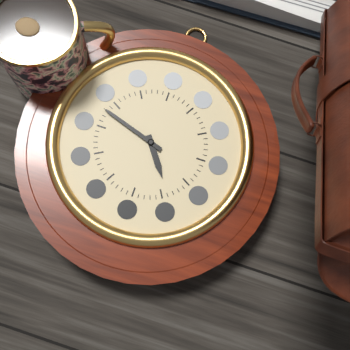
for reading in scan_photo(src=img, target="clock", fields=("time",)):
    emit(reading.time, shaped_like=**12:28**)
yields **4:48**
